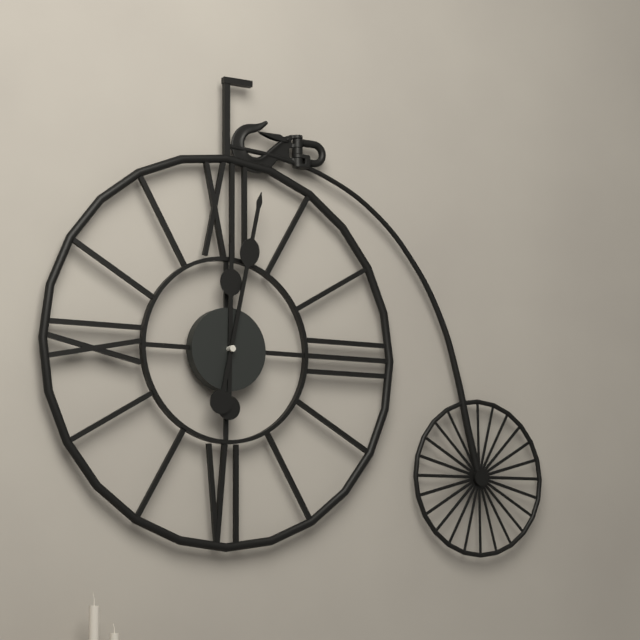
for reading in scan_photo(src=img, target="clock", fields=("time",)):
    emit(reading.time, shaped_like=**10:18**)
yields **12:02**
